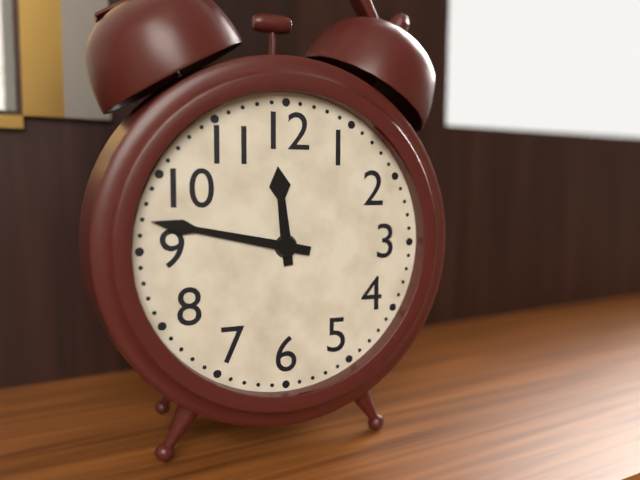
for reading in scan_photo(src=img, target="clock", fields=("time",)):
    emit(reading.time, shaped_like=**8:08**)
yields **11:47**
